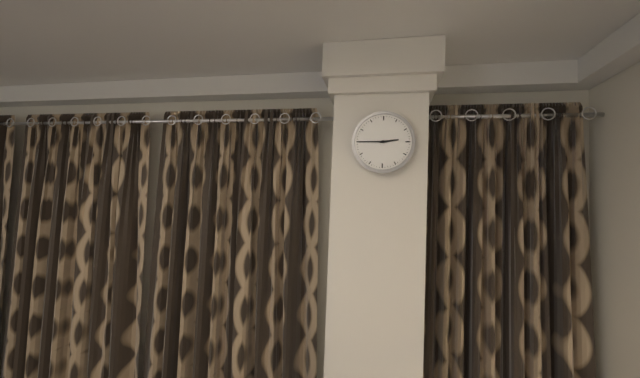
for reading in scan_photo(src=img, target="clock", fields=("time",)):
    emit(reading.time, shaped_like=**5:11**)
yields **2:45**
